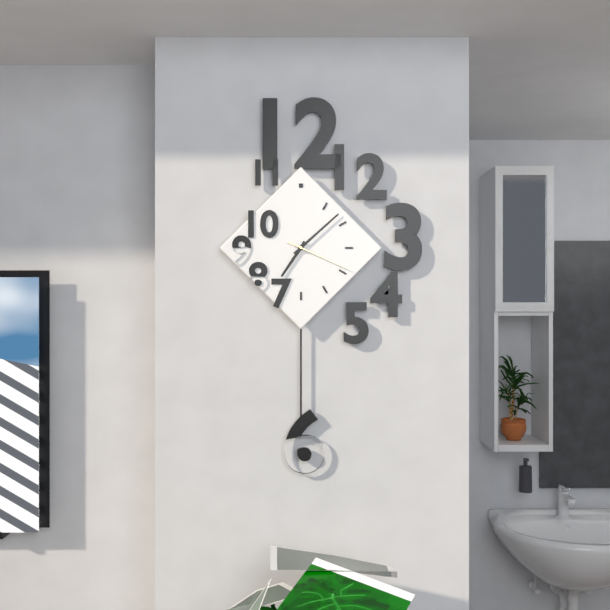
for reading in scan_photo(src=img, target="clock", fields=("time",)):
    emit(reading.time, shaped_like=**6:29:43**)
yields **7:08:19**
